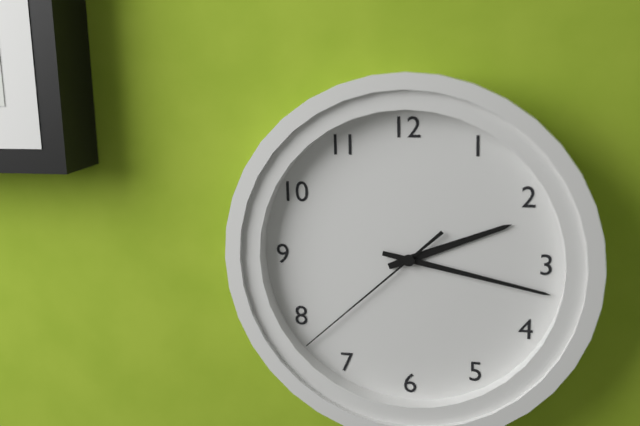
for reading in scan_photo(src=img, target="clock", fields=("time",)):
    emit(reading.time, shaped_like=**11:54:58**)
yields **2:17:38**
